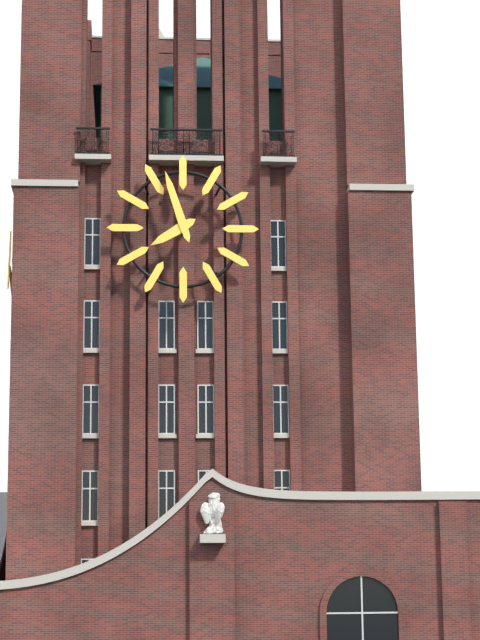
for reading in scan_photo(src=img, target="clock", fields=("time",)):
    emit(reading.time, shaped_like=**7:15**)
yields **7:57**
